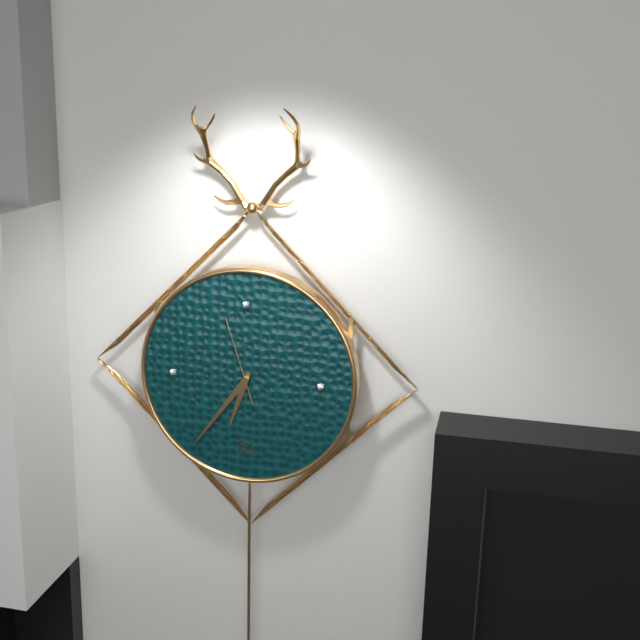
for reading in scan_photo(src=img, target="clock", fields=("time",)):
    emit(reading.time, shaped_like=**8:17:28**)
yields **6:36:57**
